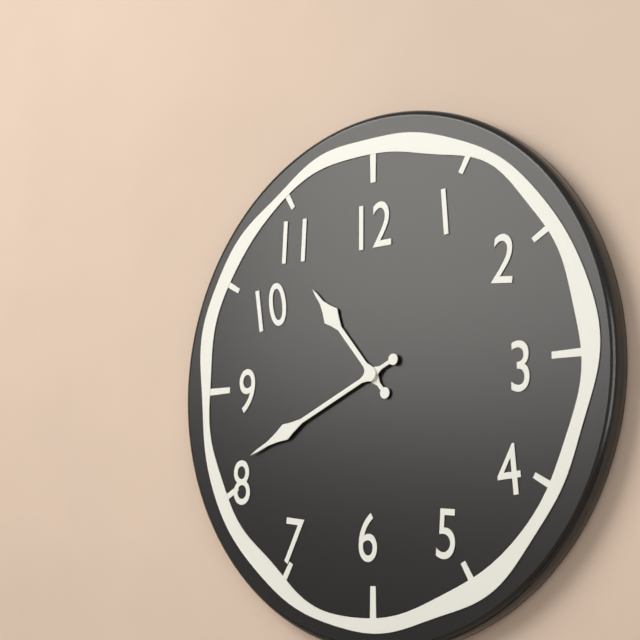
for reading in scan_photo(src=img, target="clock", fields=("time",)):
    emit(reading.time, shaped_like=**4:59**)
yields **10:41**
